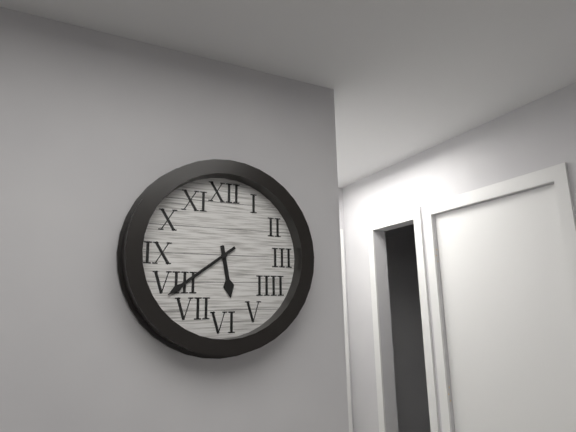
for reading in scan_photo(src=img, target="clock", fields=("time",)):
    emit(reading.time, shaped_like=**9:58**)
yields **5:39**
